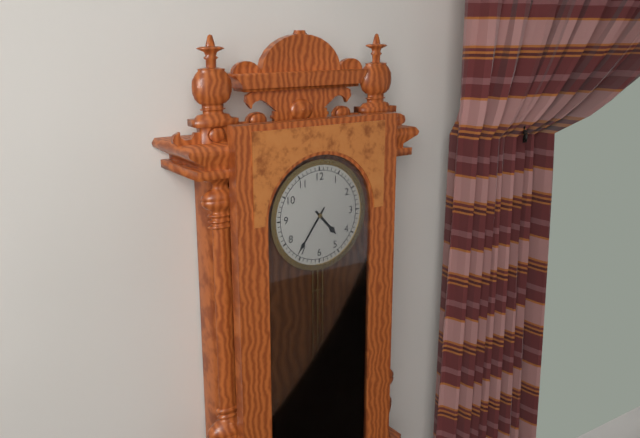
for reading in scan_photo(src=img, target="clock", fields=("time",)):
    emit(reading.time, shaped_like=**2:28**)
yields **4:36**
